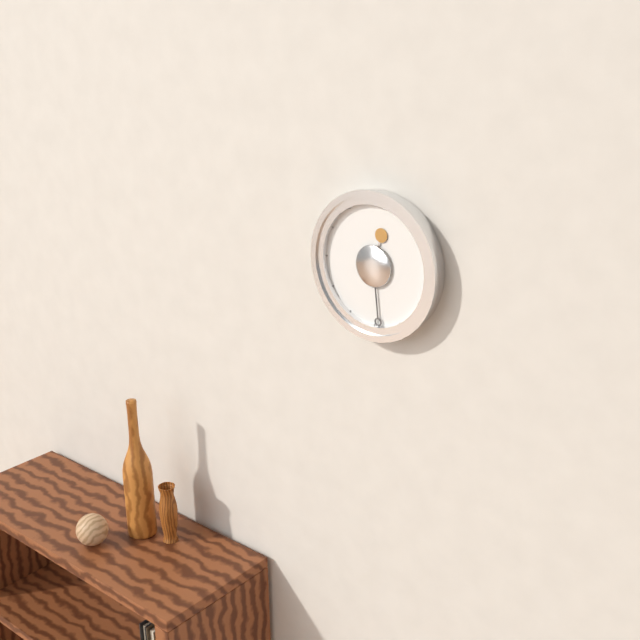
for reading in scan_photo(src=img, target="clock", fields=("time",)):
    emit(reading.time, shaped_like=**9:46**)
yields **12:29**
